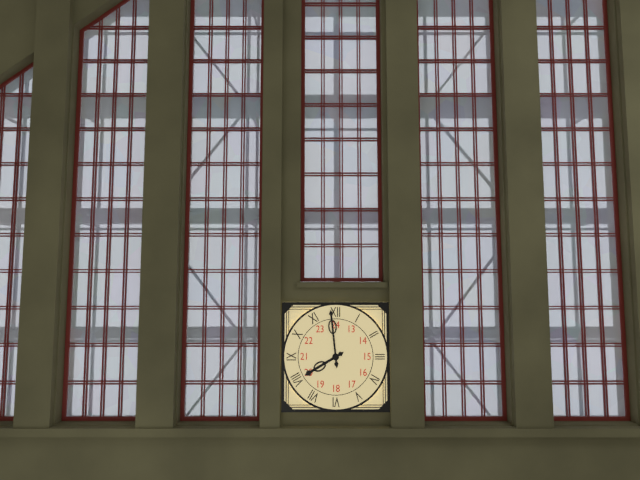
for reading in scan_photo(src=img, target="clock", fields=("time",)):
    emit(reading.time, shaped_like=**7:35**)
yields **7:59**
